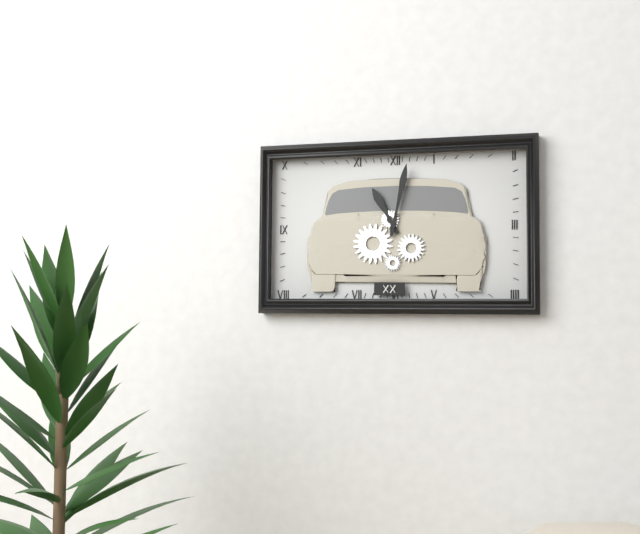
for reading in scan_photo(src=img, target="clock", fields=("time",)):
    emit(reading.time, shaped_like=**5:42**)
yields **11:02**
